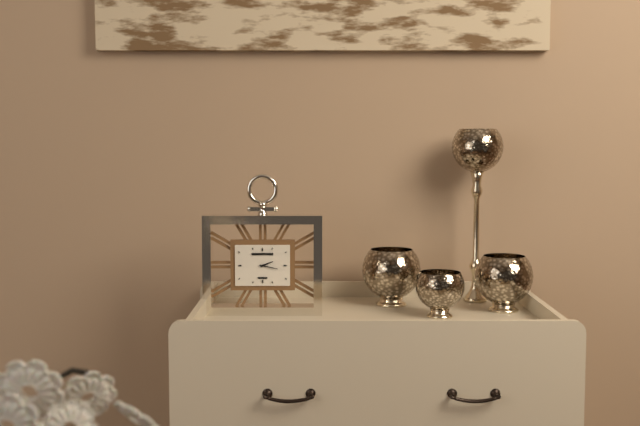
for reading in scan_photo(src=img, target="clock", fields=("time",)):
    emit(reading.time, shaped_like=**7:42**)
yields **2:17**
